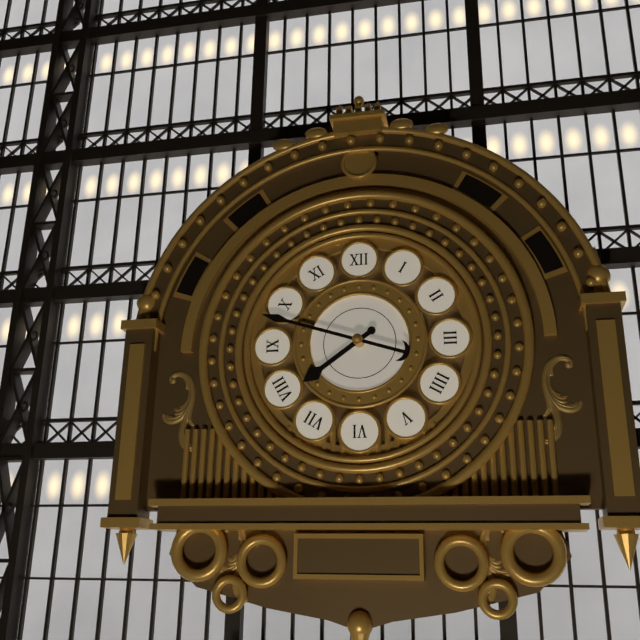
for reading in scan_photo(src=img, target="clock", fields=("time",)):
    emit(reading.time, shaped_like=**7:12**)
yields **7:48**
